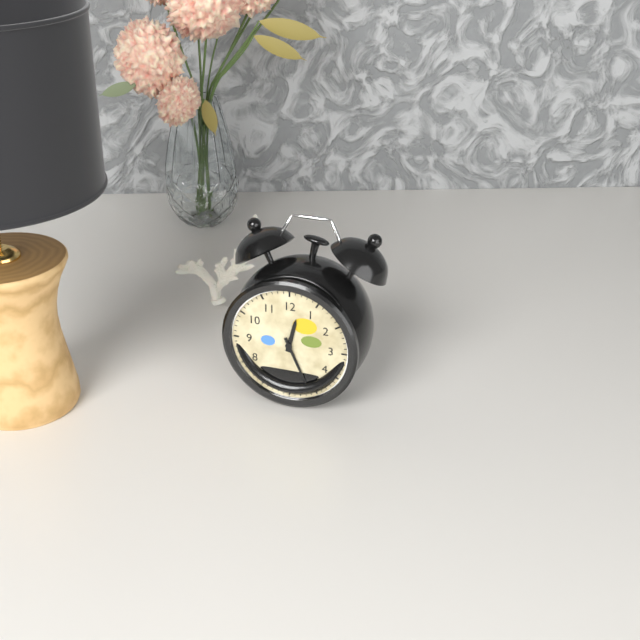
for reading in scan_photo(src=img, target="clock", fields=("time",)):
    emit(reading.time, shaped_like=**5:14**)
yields **12:26**
